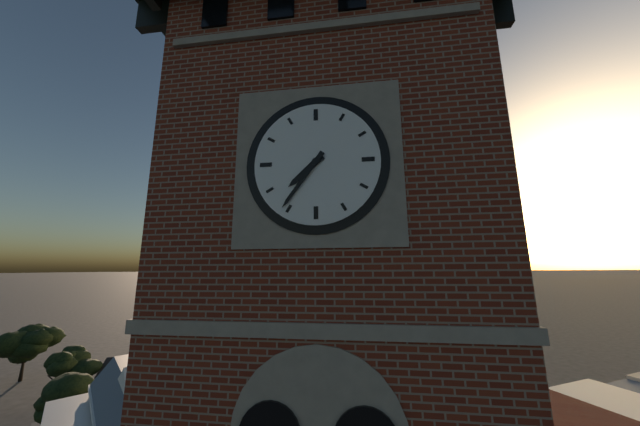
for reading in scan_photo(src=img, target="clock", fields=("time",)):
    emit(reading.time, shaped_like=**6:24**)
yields **7:36**
